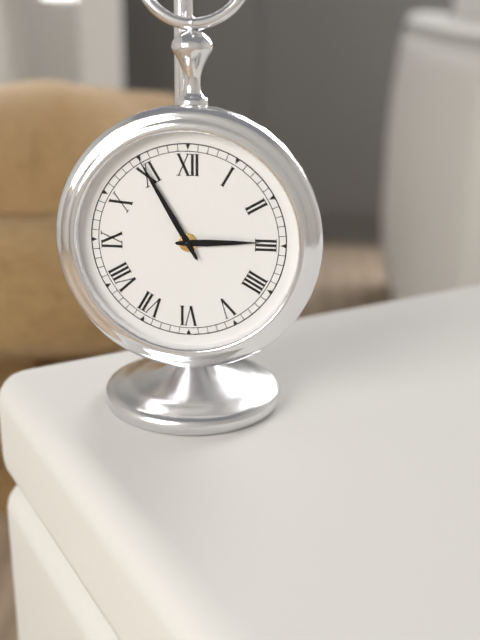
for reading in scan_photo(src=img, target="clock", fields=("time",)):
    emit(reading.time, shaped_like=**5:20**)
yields **2:55**
